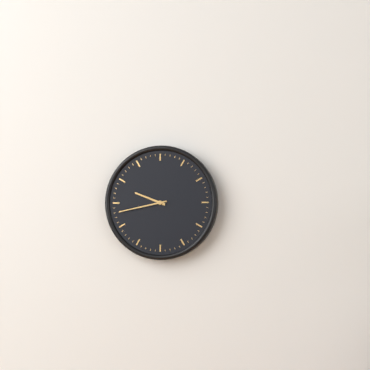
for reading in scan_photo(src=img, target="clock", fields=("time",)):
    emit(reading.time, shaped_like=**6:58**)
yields **9:43**
